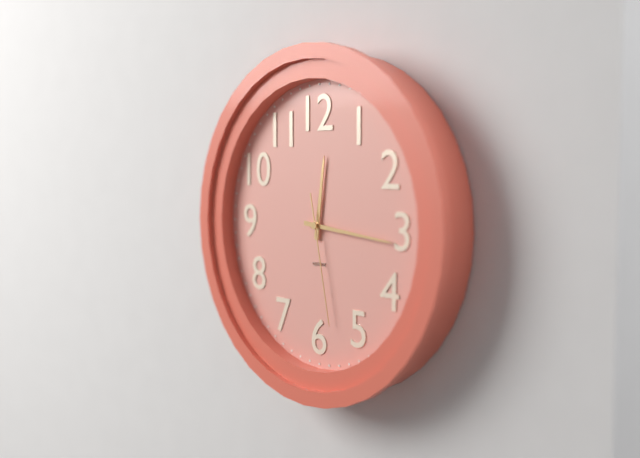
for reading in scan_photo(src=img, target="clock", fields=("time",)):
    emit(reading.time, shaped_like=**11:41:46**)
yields **12:16:28**
